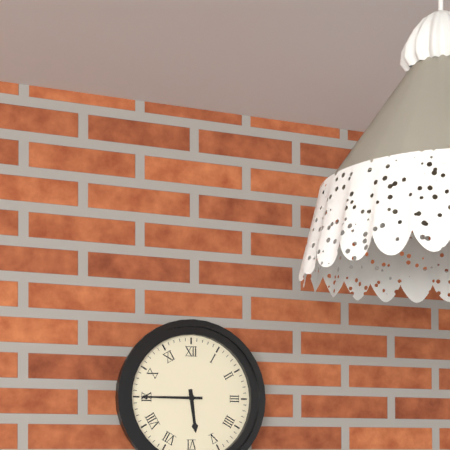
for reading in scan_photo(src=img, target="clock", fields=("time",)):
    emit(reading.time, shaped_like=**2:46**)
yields **5:45**
